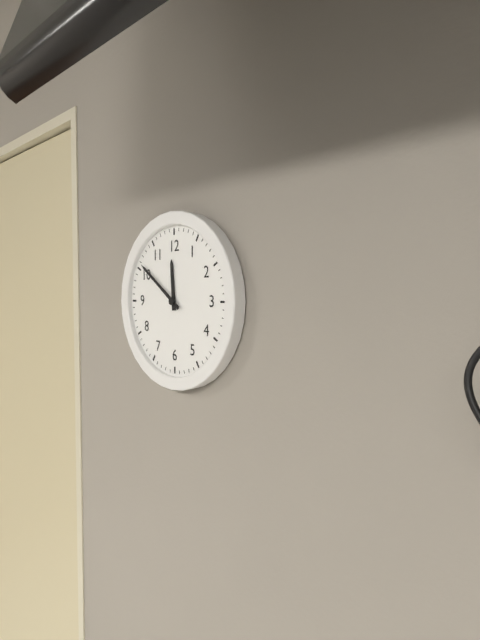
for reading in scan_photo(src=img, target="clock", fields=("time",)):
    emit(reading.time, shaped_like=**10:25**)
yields **11:51**
